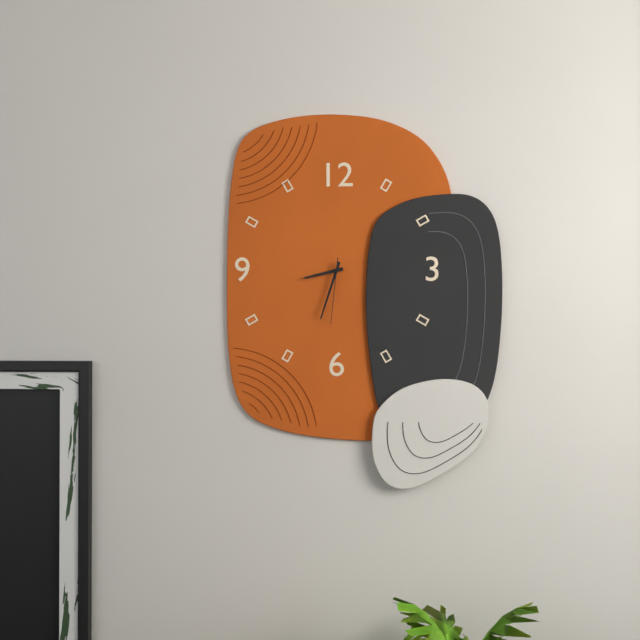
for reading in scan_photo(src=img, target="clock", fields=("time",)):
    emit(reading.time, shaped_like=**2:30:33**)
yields **8:33:31**
